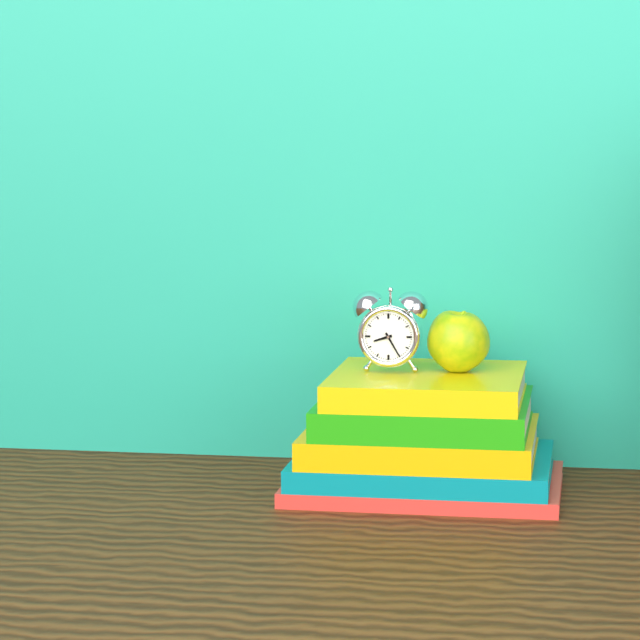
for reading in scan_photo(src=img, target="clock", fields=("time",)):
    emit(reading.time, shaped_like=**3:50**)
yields **8:25**
